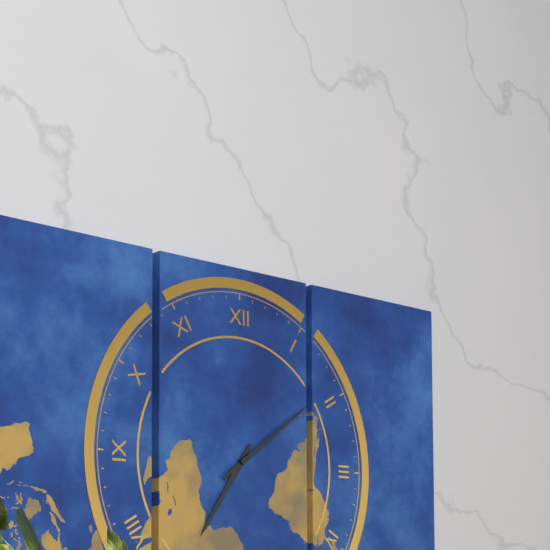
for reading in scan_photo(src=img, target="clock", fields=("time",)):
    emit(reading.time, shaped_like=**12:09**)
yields **7:09**
